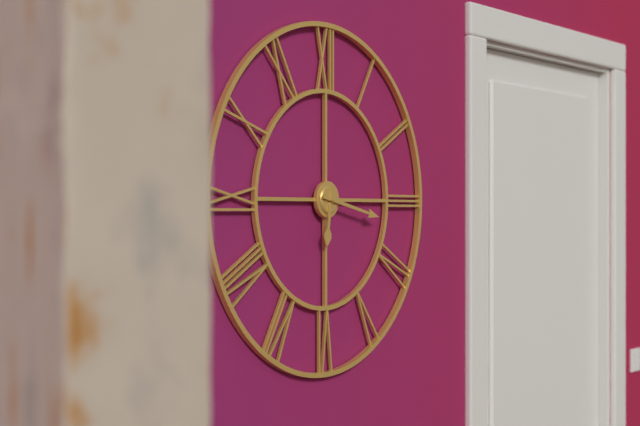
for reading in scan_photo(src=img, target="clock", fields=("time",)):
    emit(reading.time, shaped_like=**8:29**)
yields **6:17**
